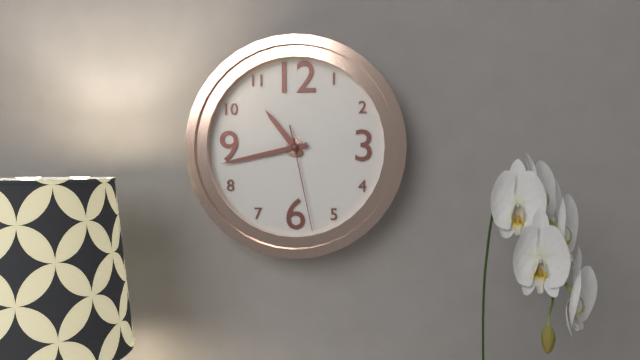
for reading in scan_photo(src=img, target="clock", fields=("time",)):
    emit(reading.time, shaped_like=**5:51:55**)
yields **10:43:28**
